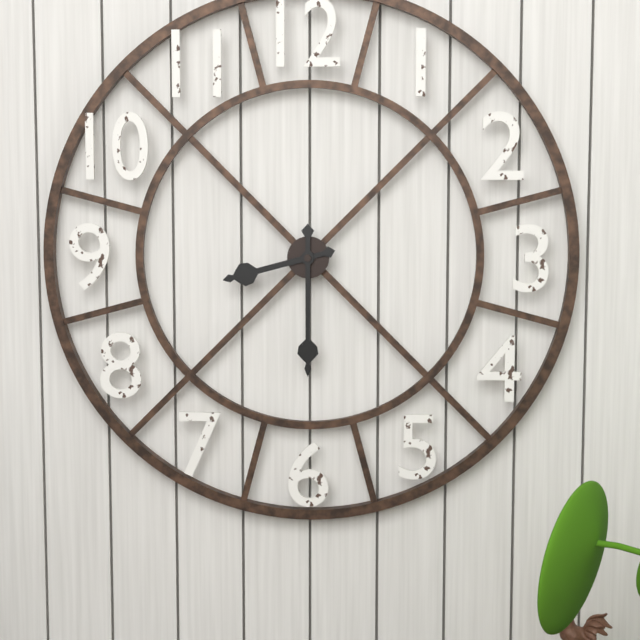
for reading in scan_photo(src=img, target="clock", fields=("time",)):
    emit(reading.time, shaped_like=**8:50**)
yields **8:30**
